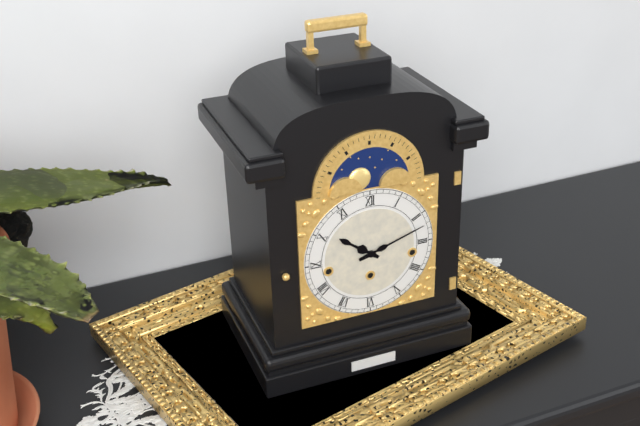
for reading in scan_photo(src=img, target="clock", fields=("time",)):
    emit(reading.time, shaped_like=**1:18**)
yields **10:12**
